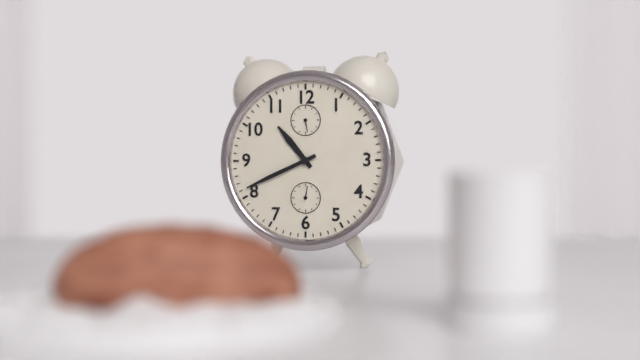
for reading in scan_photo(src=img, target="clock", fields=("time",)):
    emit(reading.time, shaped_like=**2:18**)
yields **10:41**
